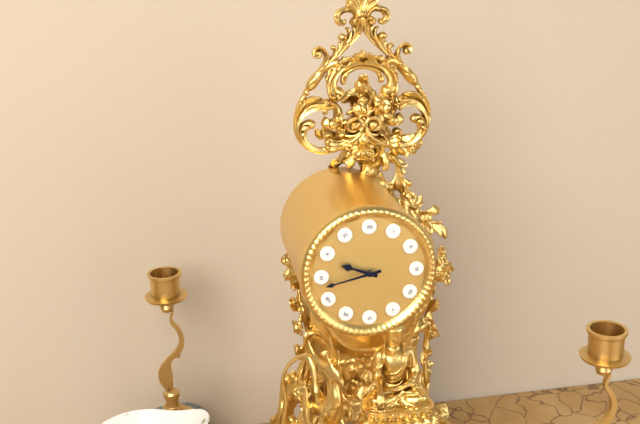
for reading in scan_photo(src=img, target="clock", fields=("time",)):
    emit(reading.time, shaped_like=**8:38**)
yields **9:43**
